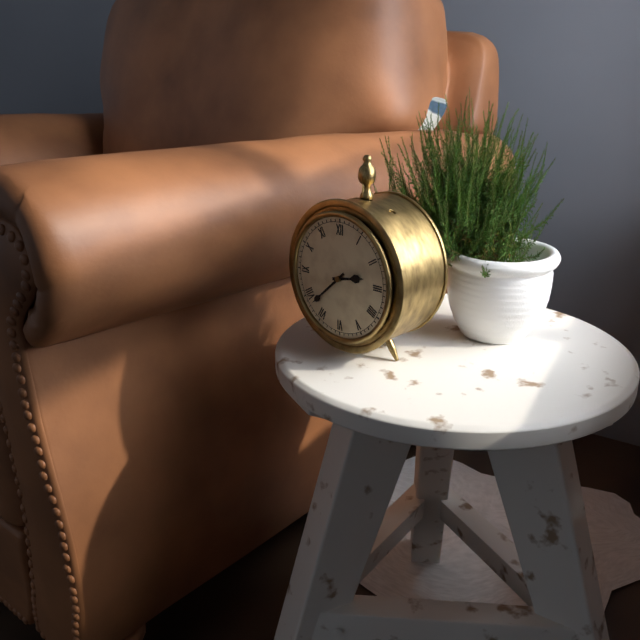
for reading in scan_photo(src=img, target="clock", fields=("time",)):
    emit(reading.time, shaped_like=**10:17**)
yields **2:38**
